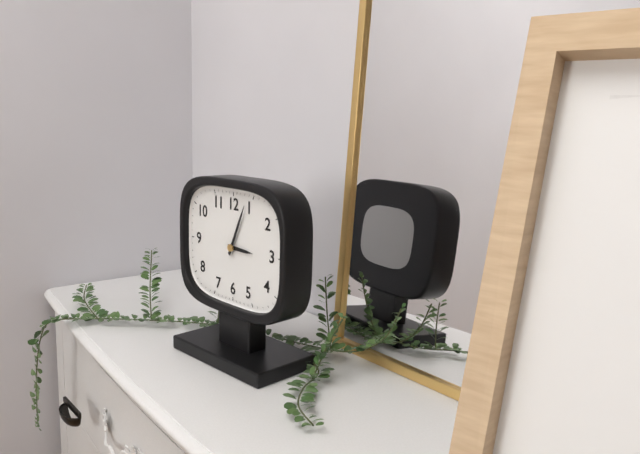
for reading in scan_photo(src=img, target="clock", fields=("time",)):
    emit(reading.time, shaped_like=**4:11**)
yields **3:04**
